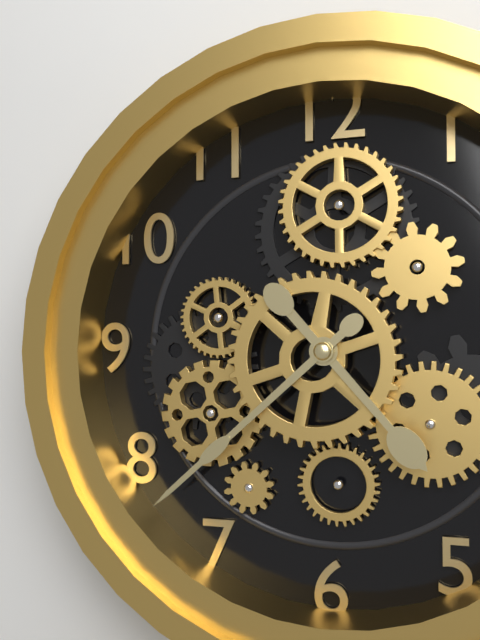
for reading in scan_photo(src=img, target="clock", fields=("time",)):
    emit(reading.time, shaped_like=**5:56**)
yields **4:38**
